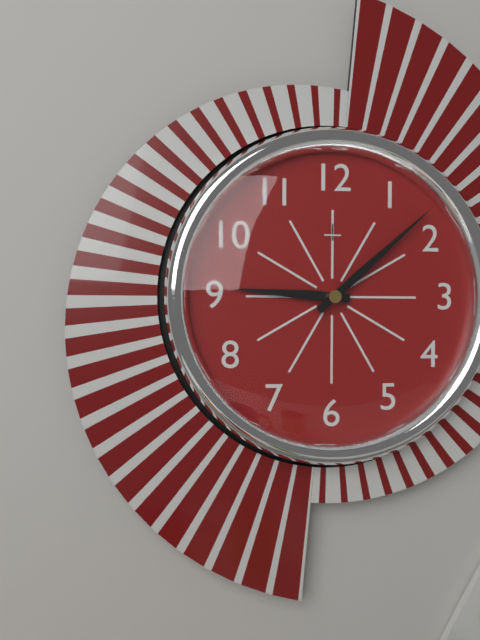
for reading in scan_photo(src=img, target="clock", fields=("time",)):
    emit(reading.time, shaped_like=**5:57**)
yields **9:08**
